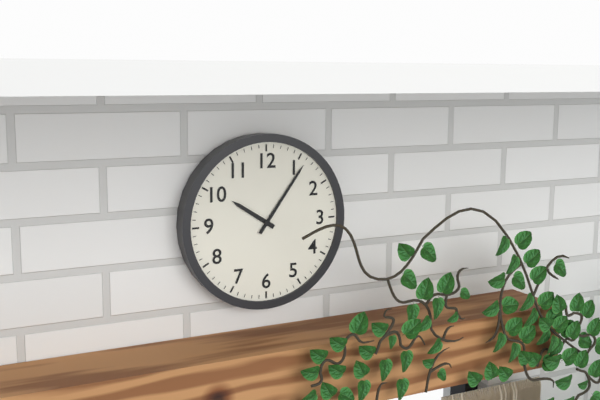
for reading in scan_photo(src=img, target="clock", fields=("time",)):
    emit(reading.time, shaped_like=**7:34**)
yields **10:06**
